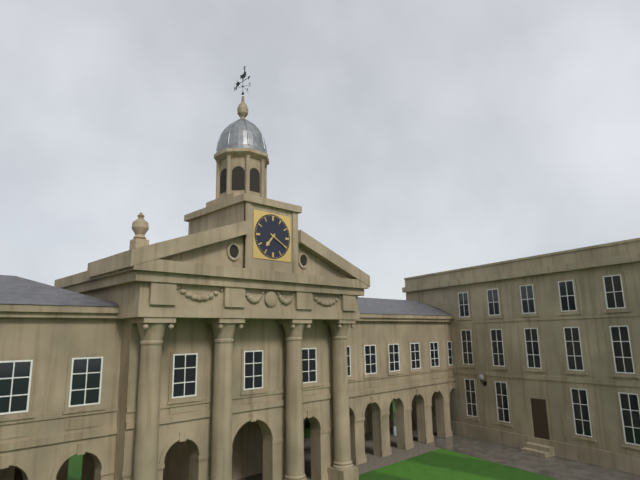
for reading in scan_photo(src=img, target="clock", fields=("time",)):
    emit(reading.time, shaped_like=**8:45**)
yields **7:20**
